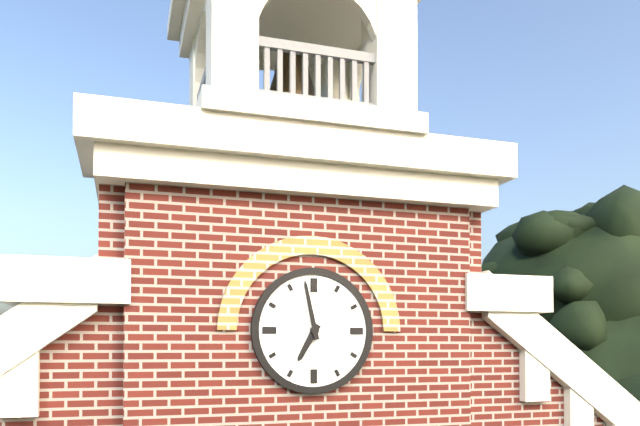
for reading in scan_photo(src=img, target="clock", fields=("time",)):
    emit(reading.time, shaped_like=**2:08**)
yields **6:58**
